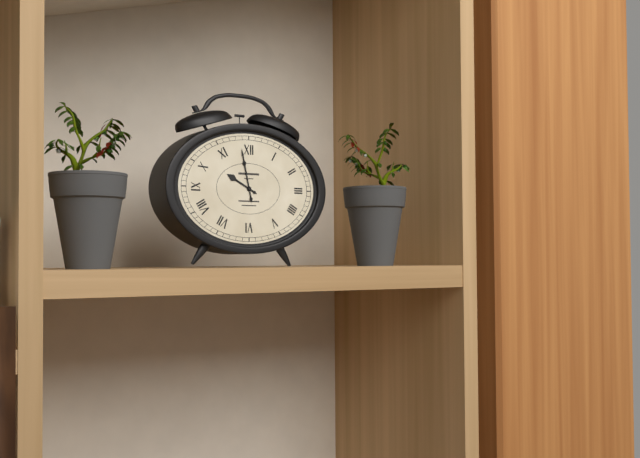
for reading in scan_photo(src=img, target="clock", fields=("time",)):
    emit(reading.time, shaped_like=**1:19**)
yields **9:58**
